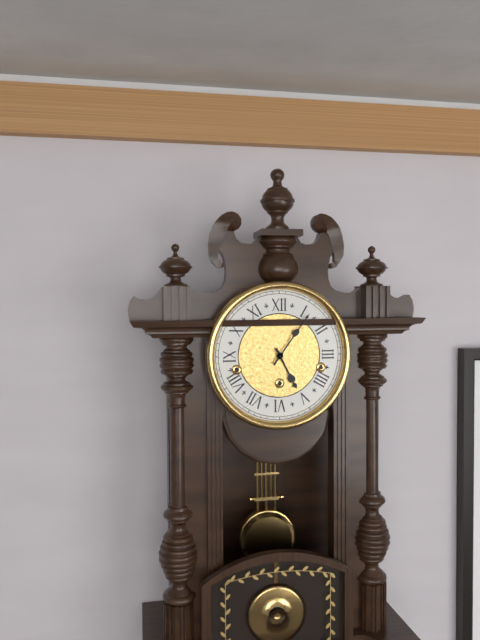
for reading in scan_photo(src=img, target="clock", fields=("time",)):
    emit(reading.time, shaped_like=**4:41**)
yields **5:06**
